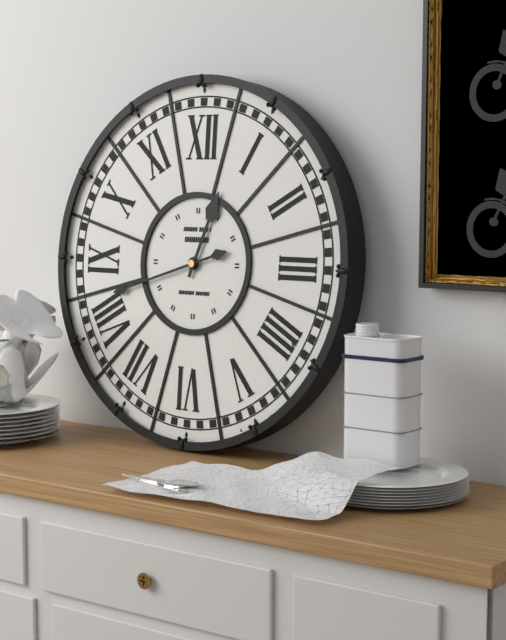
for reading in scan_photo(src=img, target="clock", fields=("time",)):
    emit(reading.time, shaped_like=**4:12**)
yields **12:42**
